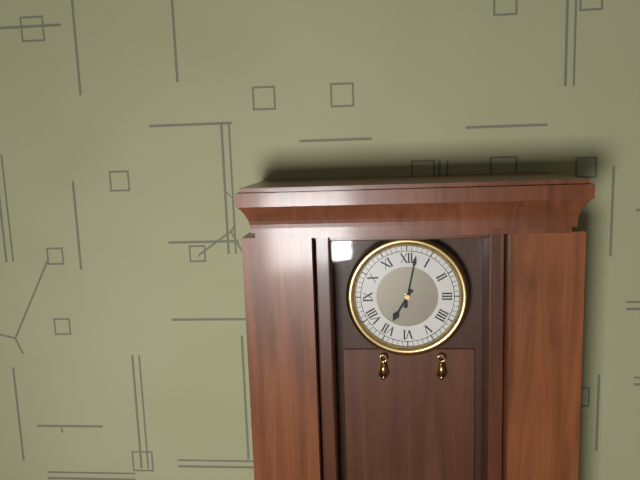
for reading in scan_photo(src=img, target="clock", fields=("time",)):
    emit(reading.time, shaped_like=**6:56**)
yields **7:02**
